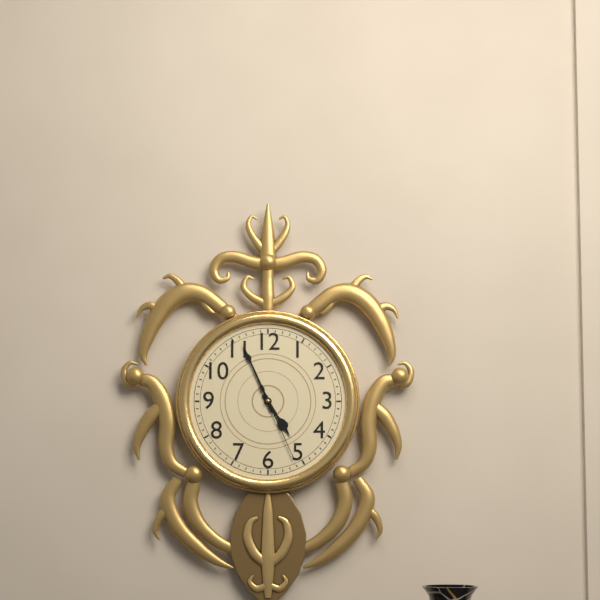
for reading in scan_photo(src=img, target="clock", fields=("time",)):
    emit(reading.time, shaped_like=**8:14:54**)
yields **4:56:26**
